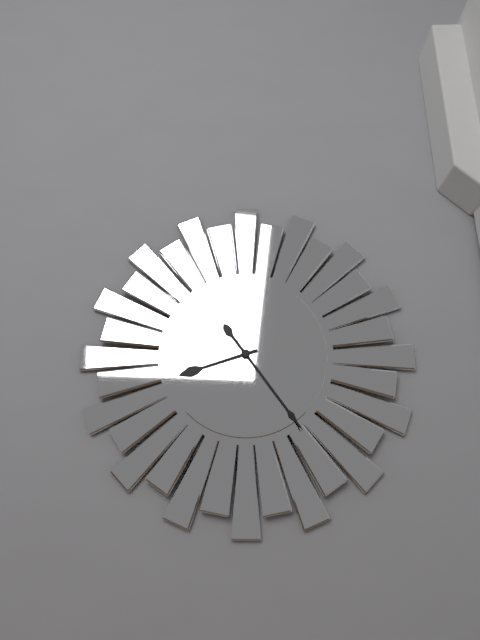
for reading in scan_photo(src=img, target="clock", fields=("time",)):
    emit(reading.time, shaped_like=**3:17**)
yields **8:24**
